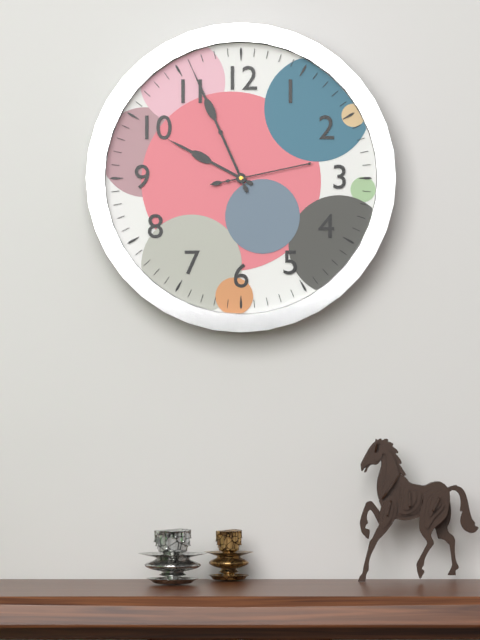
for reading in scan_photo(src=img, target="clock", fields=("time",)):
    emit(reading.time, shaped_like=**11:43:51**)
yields **9:56:13**
